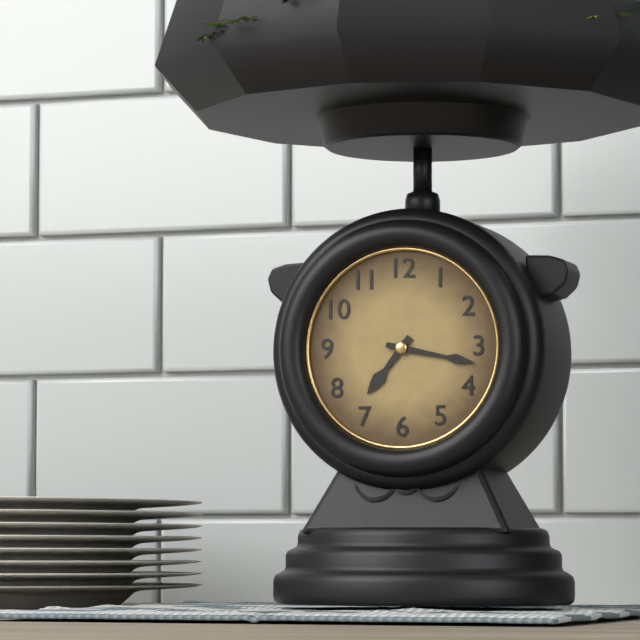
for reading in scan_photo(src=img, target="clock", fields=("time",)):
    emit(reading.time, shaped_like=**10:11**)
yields **7:17**
